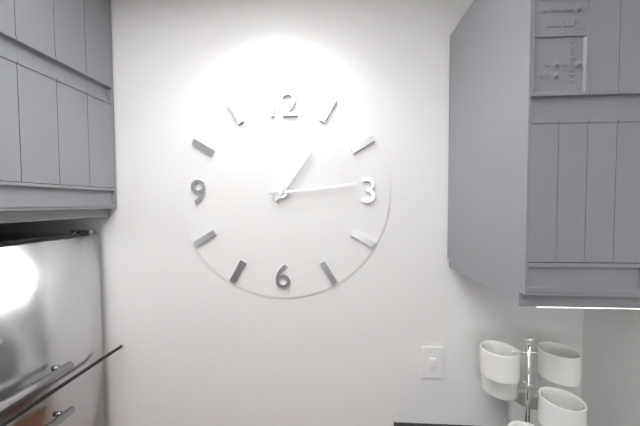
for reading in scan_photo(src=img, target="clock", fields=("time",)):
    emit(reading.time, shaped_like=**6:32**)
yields **1:14**
